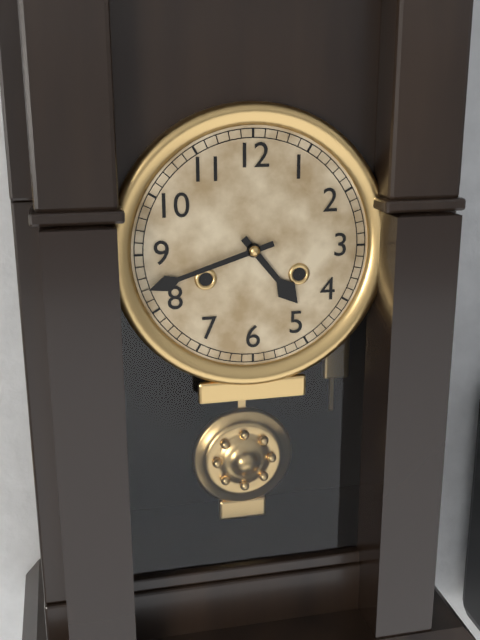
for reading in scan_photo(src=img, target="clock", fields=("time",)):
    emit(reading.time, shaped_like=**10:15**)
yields **4:42**
